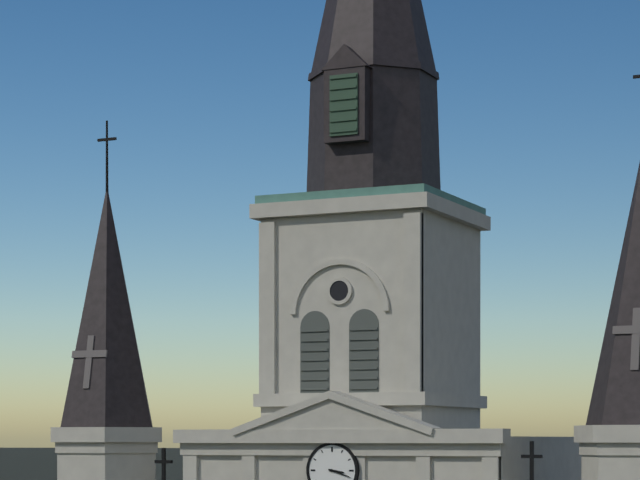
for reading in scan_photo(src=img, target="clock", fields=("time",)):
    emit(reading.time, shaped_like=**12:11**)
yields **3:18**
